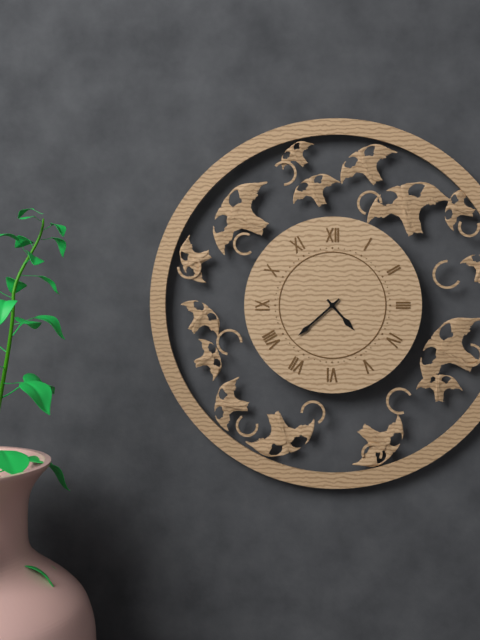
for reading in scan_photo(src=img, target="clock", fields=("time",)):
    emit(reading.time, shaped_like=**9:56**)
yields **4:38**
